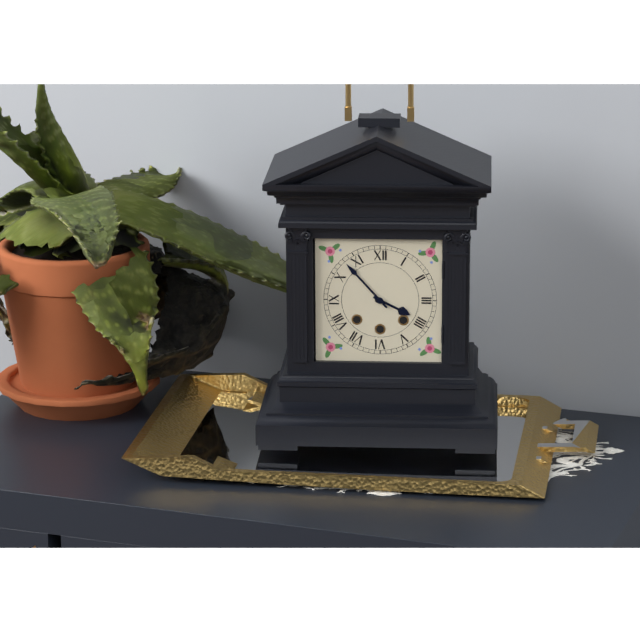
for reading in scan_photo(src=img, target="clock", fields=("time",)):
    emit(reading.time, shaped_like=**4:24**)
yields **3:53**
